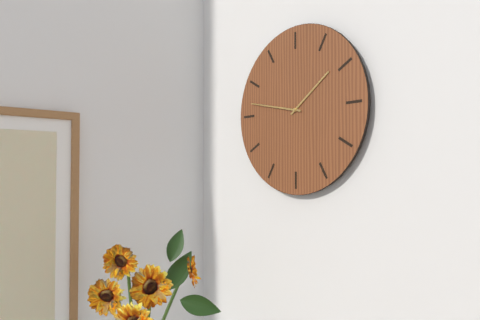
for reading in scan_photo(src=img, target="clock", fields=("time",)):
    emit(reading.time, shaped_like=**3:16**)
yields **1:47**
